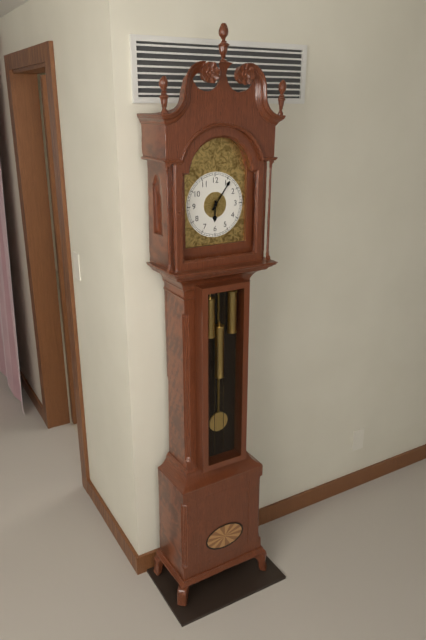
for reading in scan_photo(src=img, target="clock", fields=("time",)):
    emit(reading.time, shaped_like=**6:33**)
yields **6:06**
